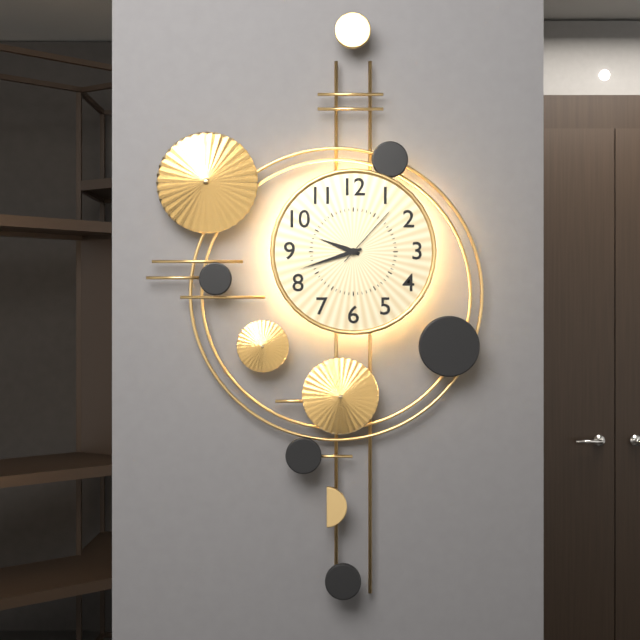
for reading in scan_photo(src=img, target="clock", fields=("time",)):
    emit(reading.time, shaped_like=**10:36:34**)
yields **9:42:07**
